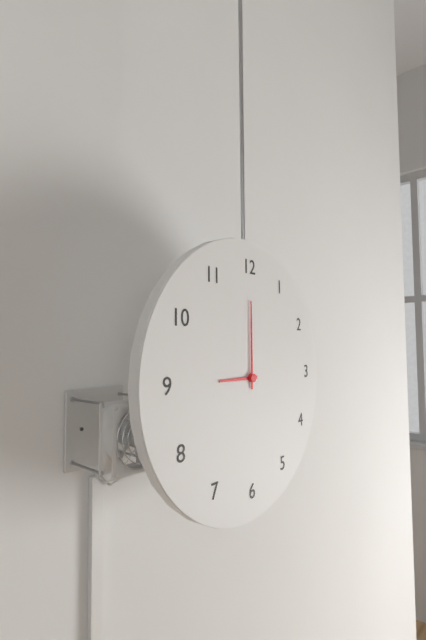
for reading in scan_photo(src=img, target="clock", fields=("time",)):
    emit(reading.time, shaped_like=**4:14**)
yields **9:00**
